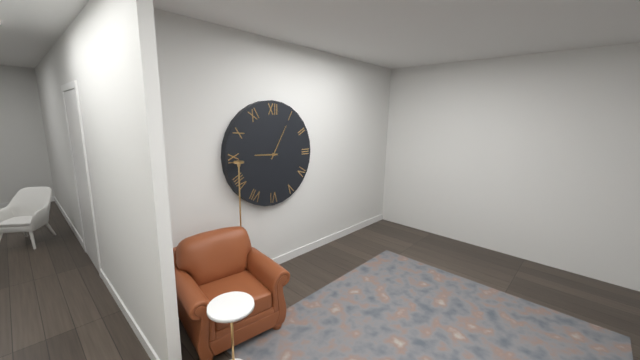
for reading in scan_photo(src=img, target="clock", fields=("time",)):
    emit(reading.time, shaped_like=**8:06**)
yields **9:05**
